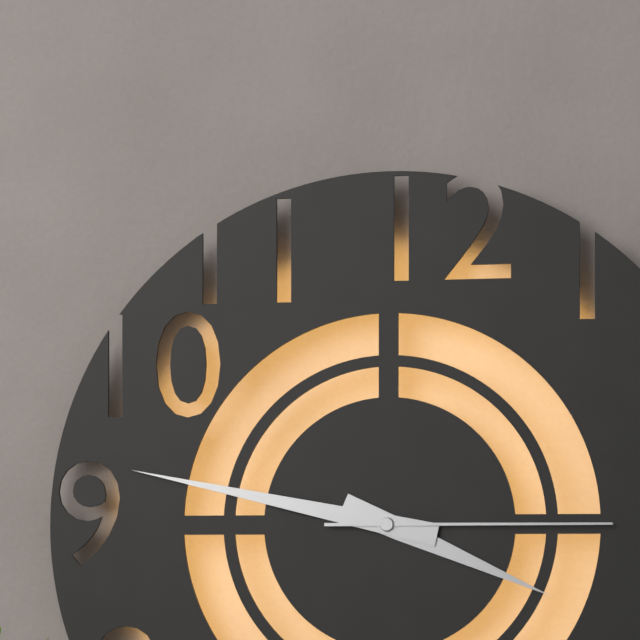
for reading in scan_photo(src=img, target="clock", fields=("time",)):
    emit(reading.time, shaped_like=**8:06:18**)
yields **3:47:15**
